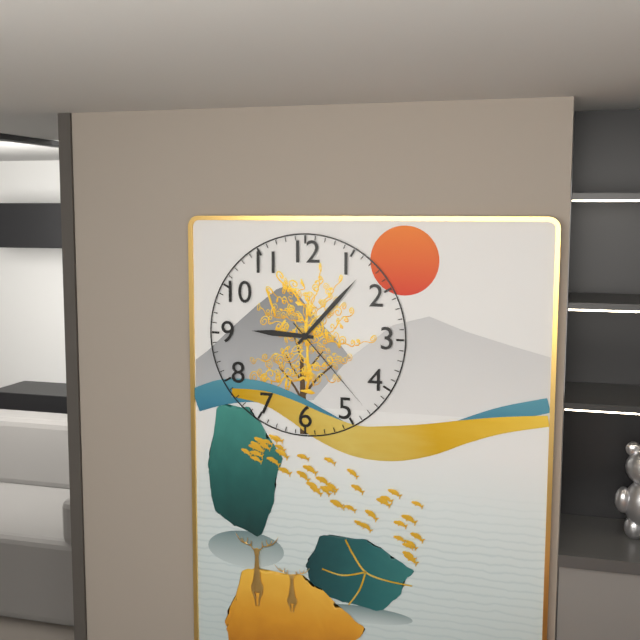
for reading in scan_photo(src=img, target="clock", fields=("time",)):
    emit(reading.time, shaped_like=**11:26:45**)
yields **9:07:23**
